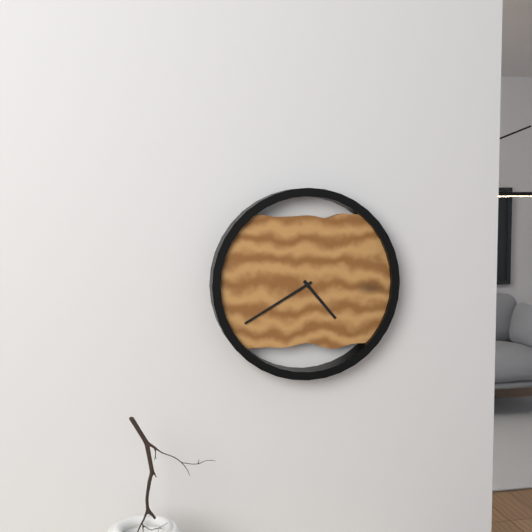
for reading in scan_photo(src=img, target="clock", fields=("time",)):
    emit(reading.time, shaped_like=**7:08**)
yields **4:40**
